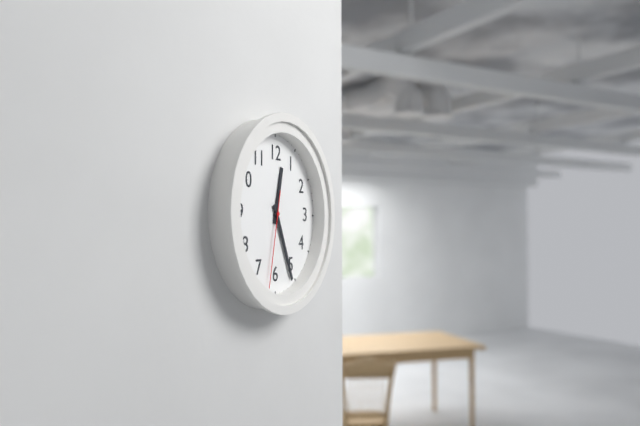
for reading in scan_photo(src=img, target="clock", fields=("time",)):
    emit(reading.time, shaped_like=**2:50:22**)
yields **12:26:32**
